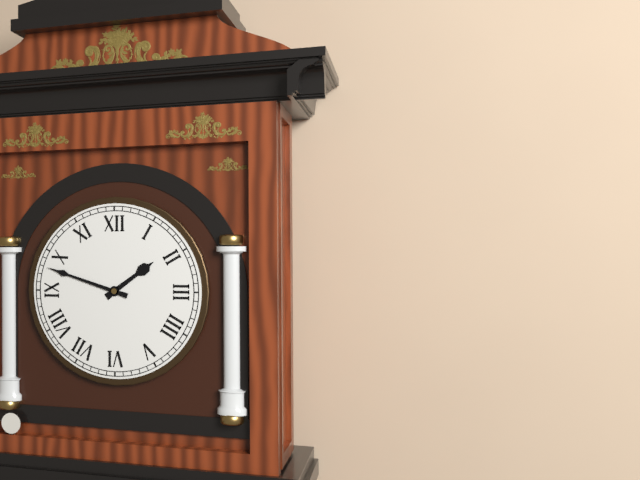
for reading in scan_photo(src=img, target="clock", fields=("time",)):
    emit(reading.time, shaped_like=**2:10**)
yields **1:48**
